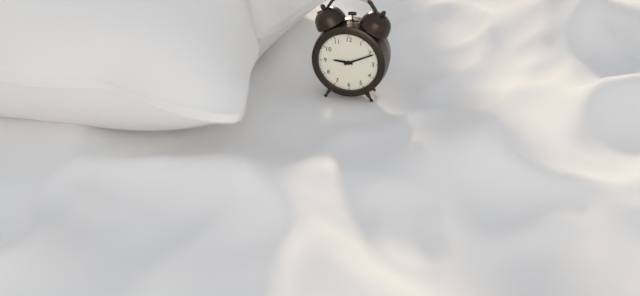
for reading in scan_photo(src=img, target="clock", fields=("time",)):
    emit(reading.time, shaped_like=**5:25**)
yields **9:11**
